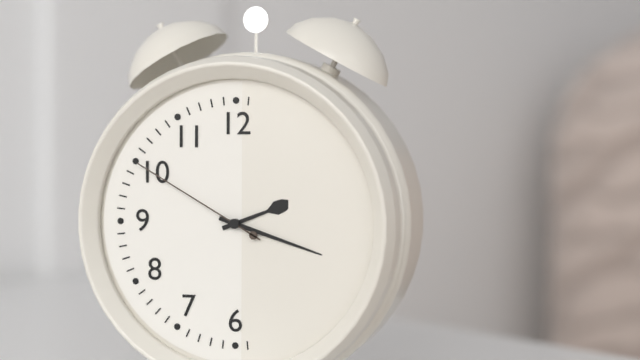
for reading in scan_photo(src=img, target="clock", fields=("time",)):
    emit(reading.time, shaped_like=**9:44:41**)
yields **2:18:50**
